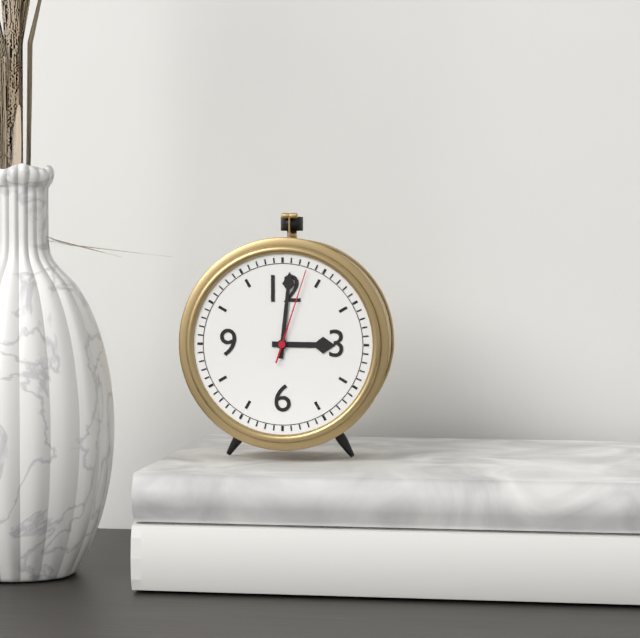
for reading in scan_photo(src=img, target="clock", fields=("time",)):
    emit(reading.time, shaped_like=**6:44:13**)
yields **3:01:03**
